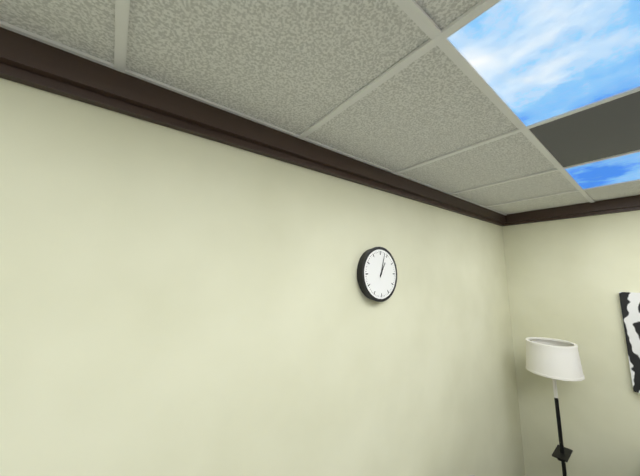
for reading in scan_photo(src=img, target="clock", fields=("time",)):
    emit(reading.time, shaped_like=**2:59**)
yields **1:03**
